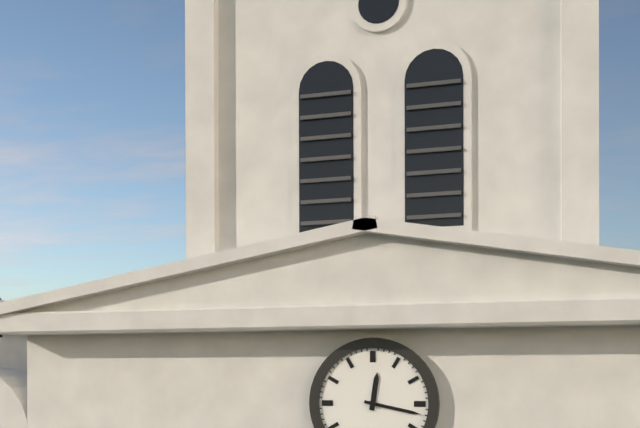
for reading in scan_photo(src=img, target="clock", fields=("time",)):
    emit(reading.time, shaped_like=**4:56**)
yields **12:17**
